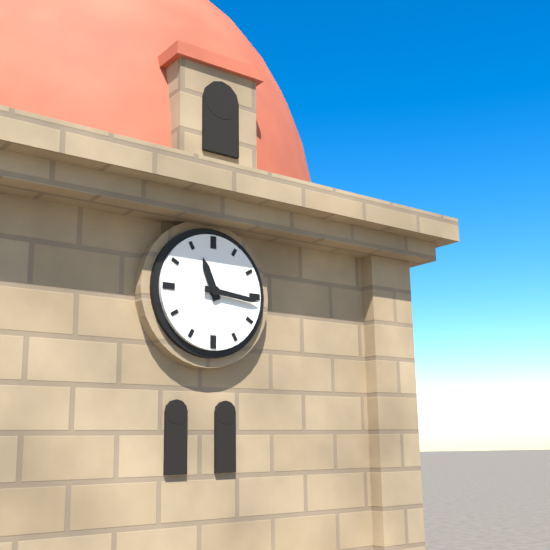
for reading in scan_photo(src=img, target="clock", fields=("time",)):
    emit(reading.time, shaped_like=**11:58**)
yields **11:16**
